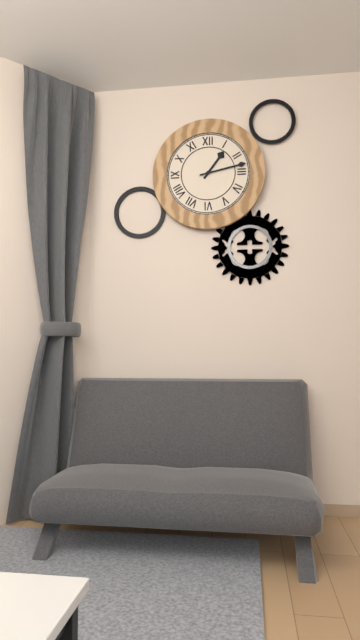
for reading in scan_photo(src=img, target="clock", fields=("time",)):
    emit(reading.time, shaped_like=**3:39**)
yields **1:13**
